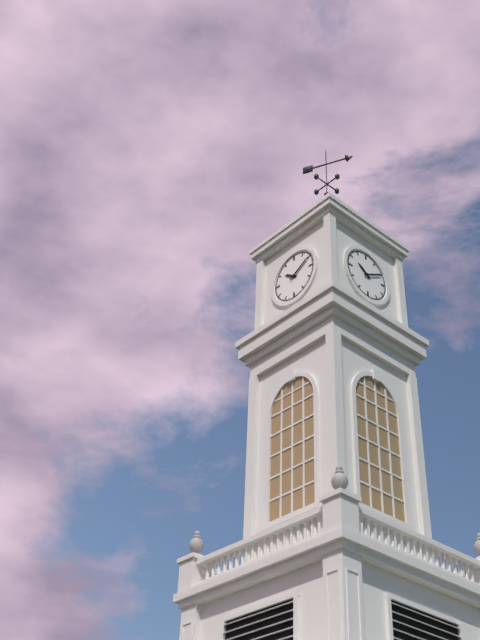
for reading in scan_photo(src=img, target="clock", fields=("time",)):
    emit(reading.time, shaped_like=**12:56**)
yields **10:10**
